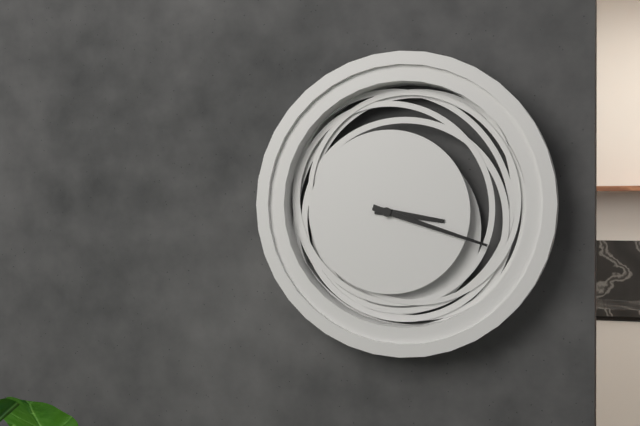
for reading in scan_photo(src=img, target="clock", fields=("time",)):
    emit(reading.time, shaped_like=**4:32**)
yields **3:18**
